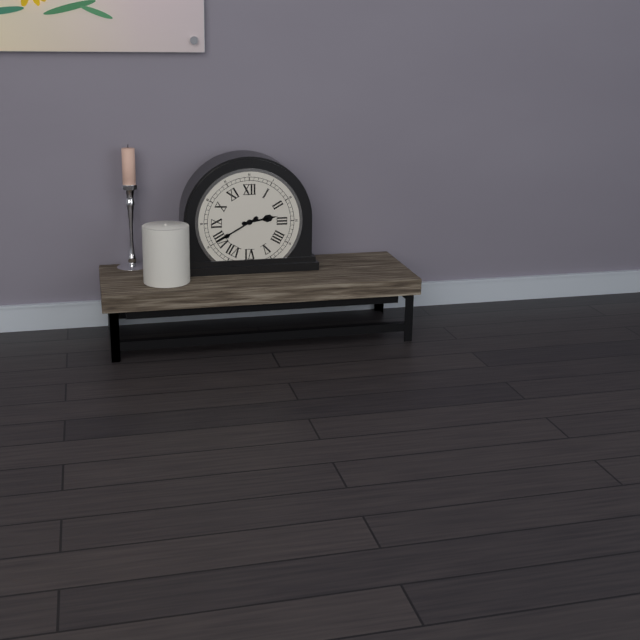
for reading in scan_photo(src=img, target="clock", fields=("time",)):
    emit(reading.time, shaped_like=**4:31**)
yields **2:40**
